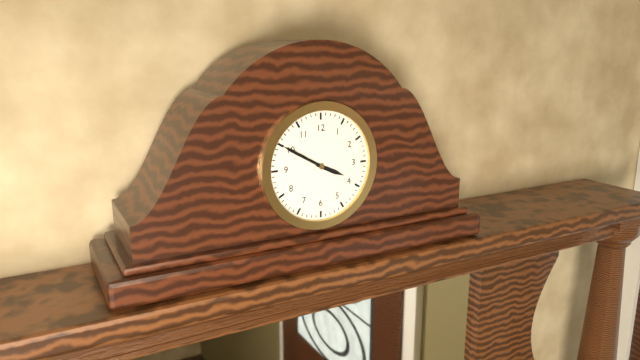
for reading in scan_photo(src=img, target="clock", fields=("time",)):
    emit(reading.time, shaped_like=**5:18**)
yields **3:50**
